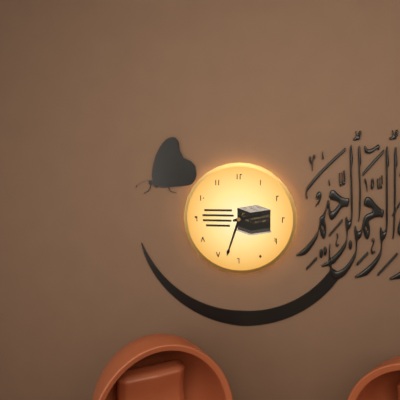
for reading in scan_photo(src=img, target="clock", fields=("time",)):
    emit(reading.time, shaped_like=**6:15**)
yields **2:33**
